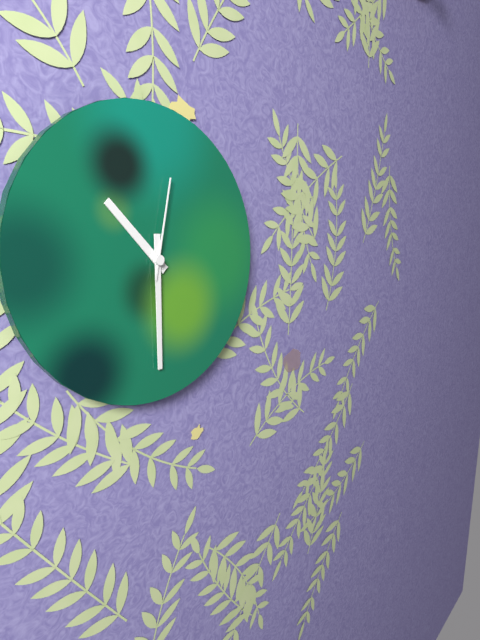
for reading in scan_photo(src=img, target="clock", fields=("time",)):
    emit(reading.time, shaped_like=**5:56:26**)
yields **10:30:02**
